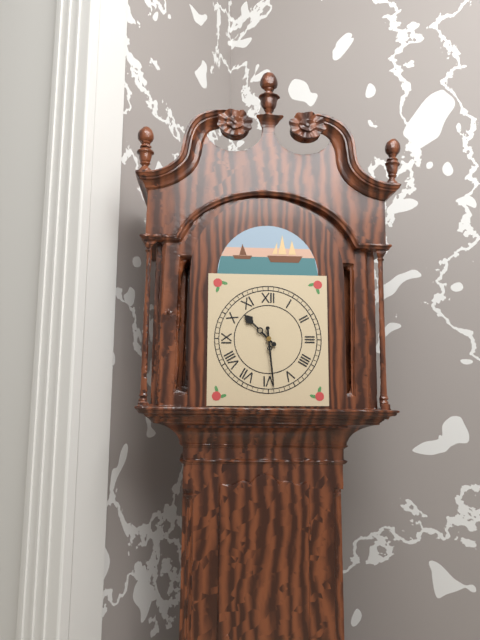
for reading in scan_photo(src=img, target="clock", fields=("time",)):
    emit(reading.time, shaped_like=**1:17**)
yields **10:29**
